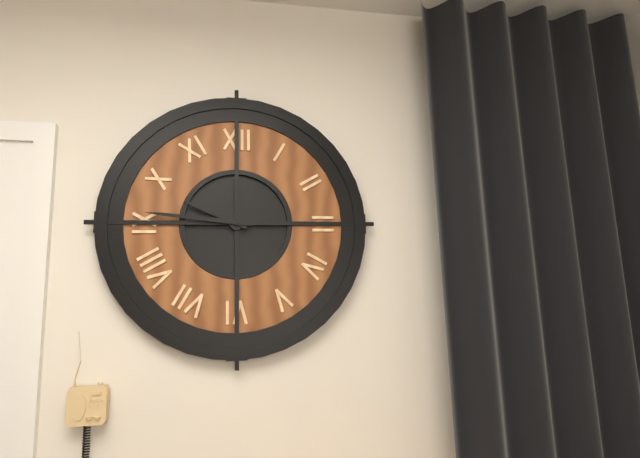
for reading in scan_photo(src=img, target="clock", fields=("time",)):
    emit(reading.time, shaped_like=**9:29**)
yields **9:46**
